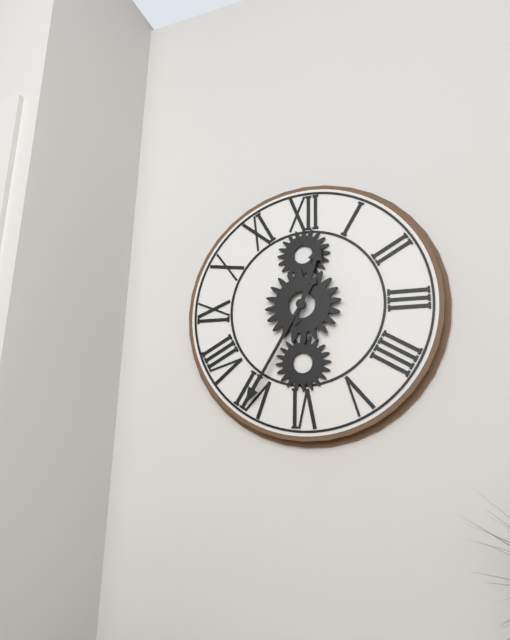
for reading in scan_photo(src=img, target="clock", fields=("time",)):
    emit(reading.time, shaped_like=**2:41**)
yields **12:35**
